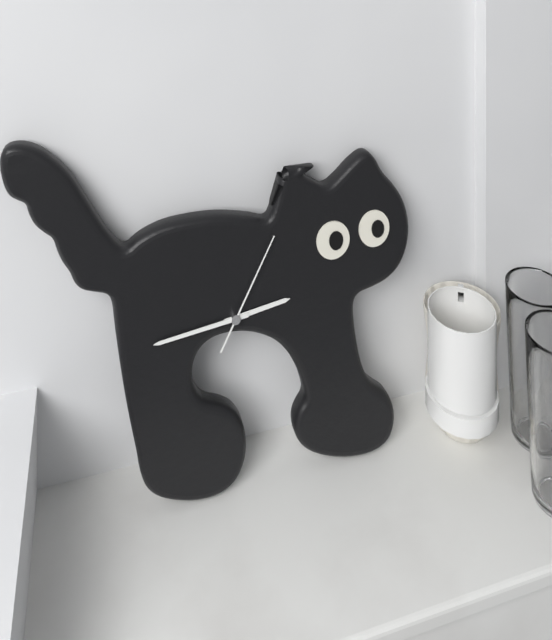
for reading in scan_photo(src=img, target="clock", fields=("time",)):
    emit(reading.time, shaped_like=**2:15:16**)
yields **2:44:05**
